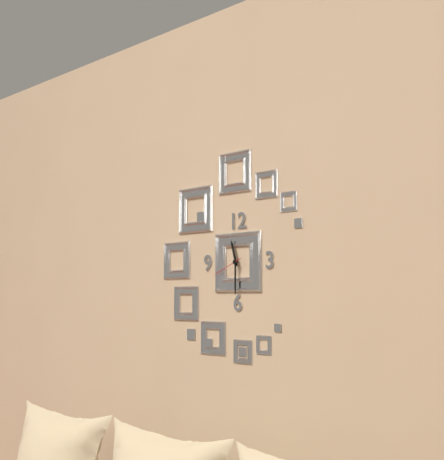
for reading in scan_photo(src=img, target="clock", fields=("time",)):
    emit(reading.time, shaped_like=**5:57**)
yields **11:30**
